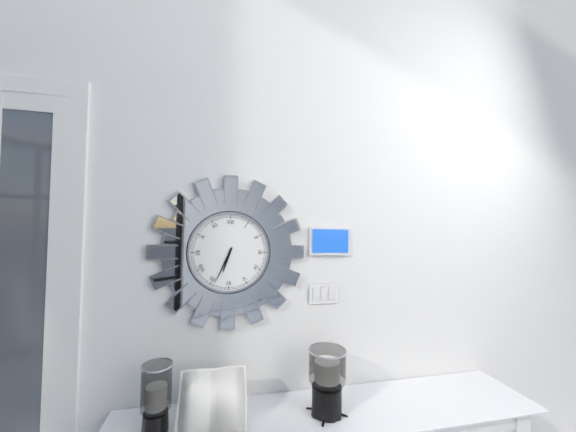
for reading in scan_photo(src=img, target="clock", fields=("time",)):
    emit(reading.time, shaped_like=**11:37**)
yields **6:34**
